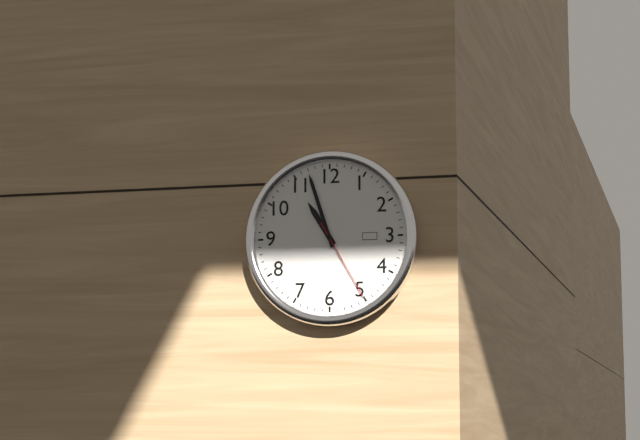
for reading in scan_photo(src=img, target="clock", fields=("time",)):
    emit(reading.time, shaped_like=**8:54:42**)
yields **10:57:25**
